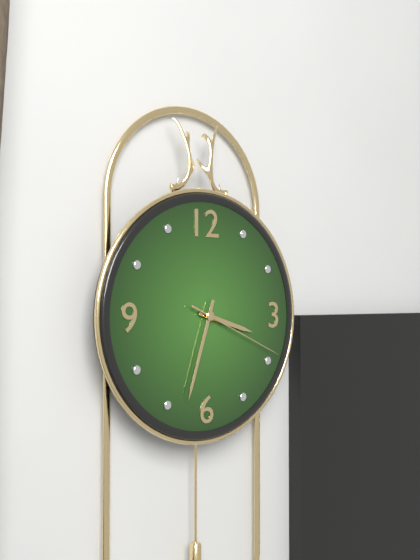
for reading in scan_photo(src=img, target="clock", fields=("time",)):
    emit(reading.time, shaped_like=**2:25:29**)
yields **3:33:19**
